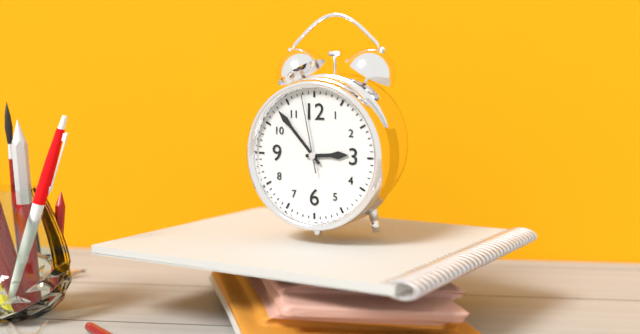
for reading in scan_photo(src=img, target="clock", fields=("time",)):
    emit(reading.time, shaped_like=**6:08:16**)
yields **2:53:58**
